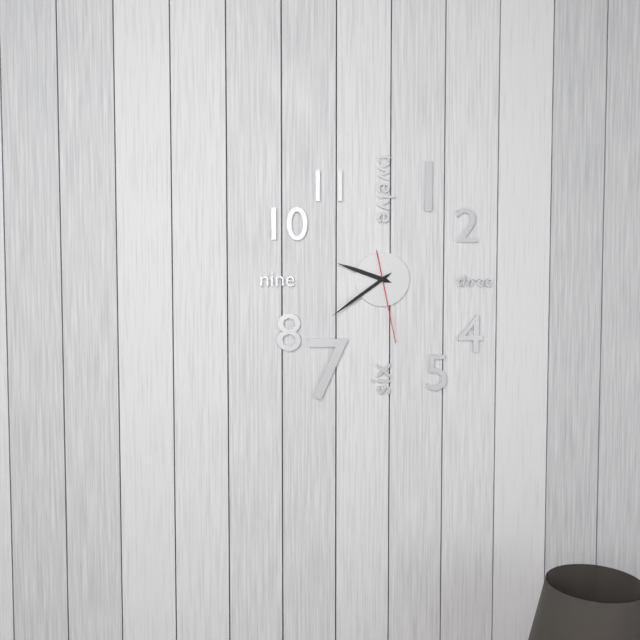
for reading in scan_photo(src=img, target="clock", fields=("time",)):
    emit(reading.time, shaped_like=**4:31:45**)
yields **9:39:28**
